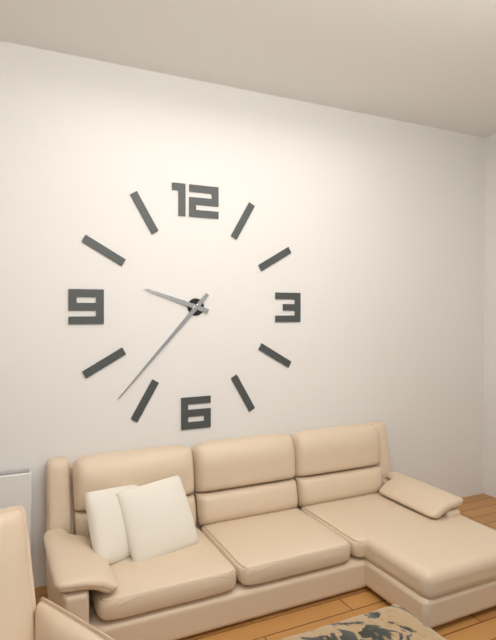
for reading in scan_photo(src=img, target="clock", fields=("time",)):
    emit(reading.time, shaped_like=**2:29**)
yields **9:37**
